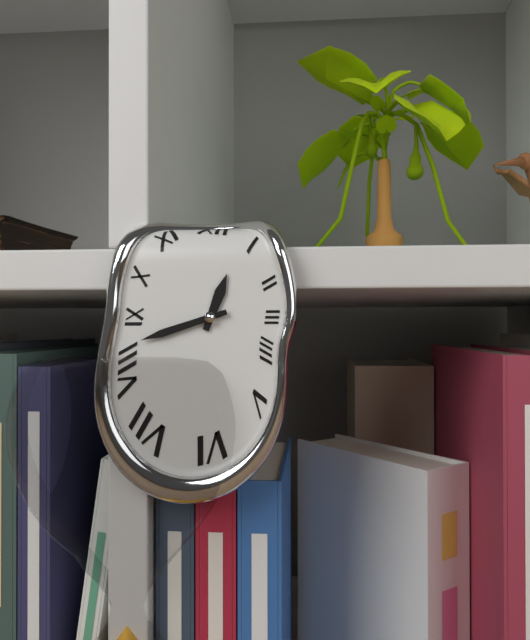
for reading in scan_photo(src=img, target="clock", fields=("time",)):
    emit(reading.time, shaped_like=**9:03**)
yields **12:42**
